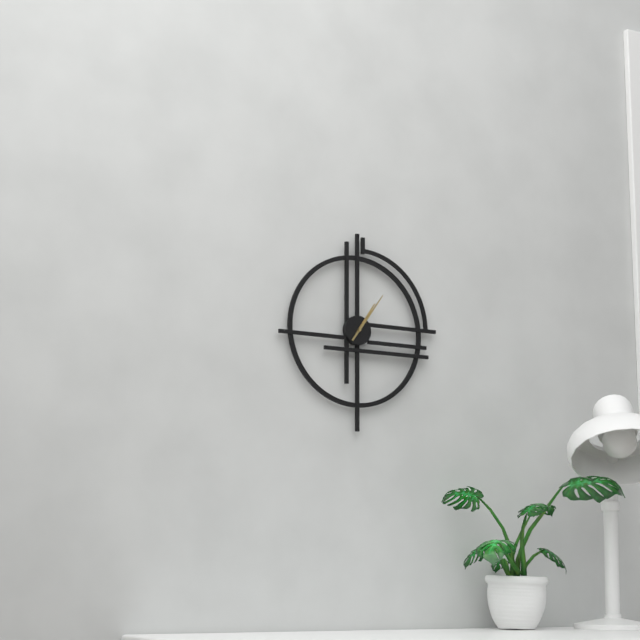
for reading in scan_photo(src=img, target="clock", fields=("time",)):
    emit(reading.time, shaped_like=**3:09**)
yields **1:06**
